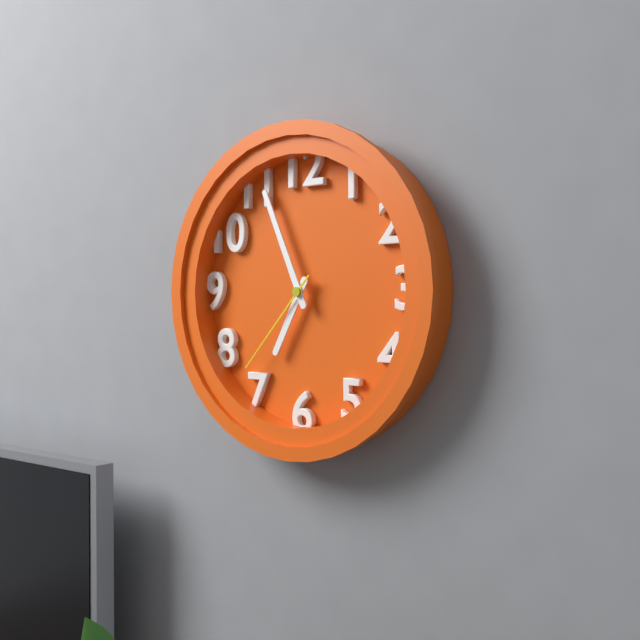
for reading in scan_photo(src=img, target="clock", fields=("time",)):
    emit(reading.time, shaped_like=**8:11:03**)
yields **6:56:37**
